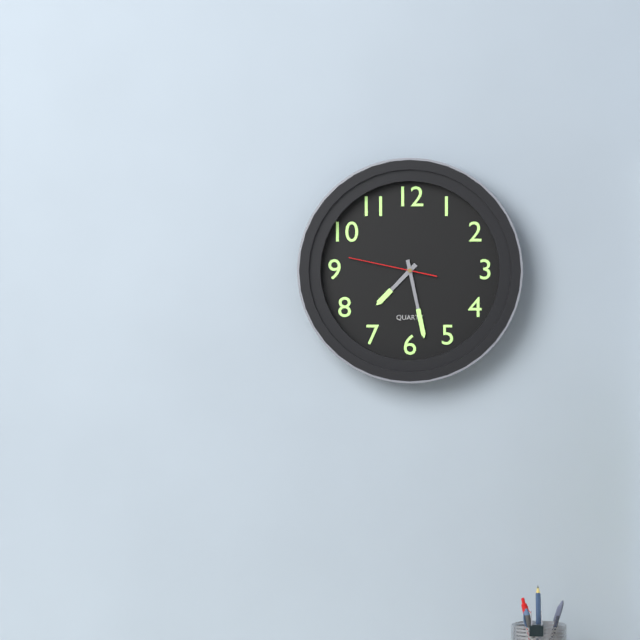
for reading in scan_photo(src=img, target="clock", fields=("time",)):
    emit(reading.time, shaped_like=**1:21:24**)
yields **7:28:47**
